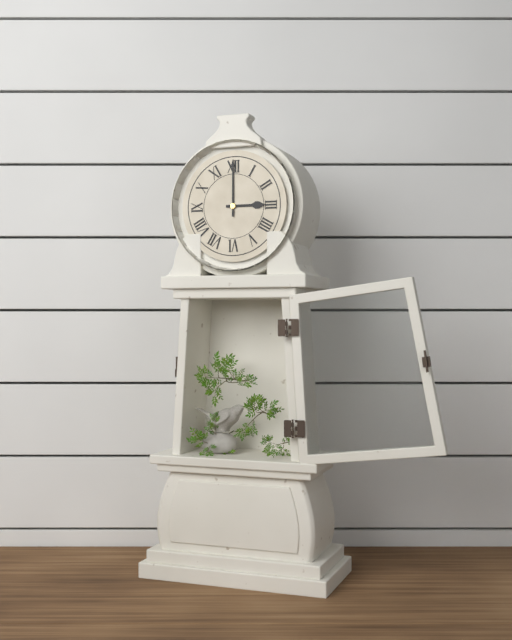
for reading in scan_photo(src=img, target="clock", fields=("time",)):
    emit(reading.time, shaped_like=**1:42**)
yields **3:00**
